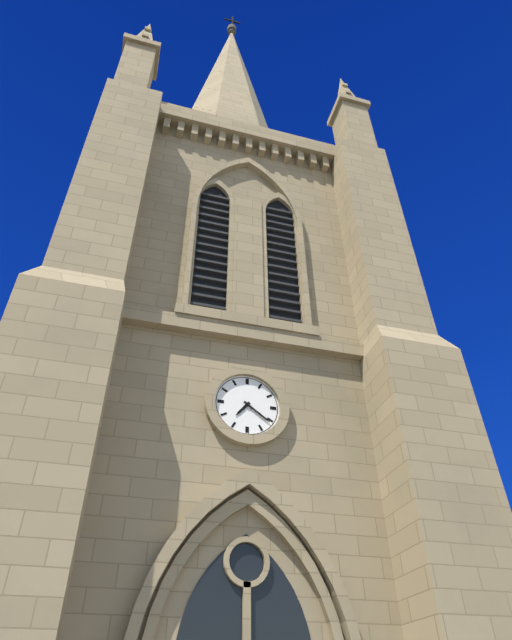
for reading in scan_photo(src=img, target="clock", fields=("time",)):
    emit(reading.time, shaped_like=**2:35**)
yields **7:21**
